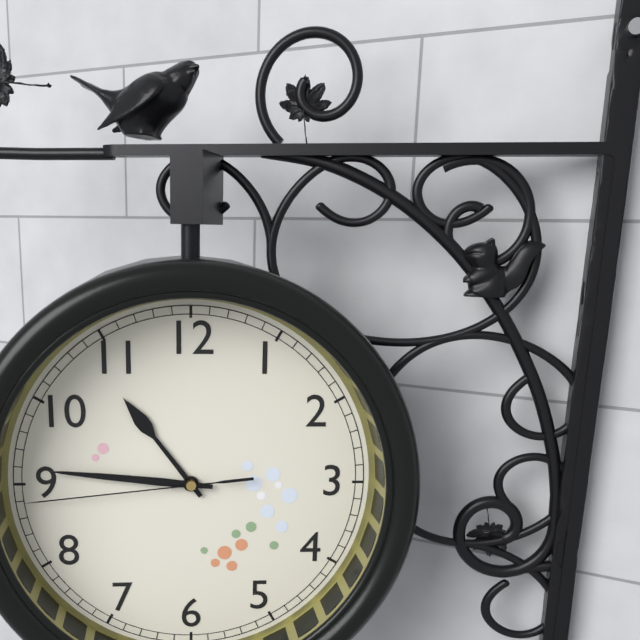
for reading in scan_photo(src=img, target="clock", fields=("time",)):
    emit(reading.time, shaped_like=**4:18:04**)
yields **10:46:44**
